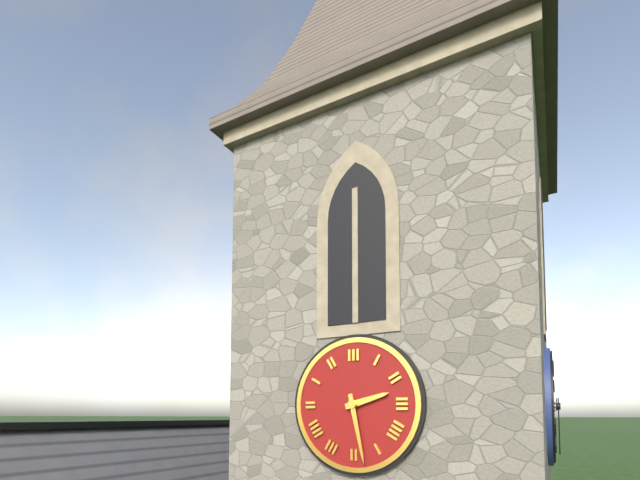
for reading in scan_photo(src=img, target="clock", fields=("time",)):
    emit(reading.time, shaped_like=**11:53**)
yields **2:28**
